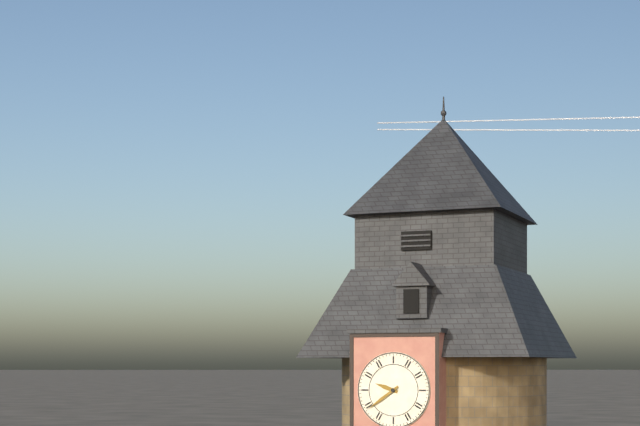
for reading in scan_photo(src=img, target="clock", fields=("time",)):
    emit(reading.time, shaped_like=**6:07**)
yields **9:39**
